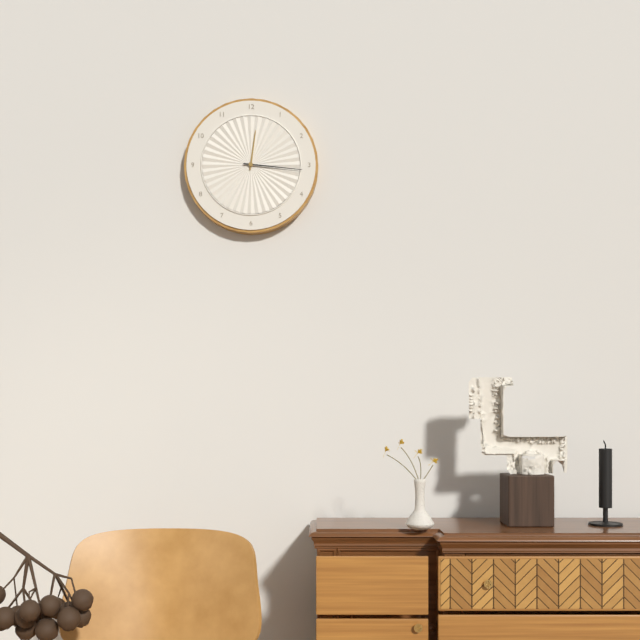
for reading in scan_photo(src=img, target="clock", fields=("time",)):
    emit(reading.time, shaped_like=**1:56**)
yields **12:16**
